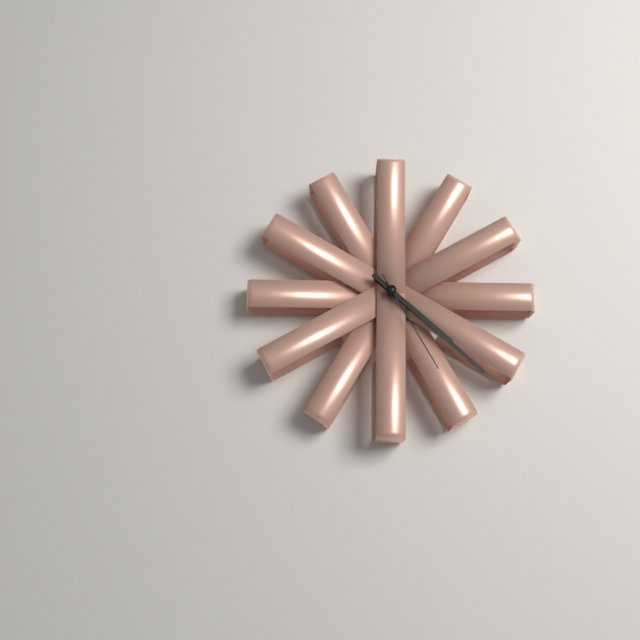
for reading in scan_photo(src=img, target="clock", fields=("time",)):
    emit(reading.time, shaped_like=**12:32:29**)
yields **4:22:25**
